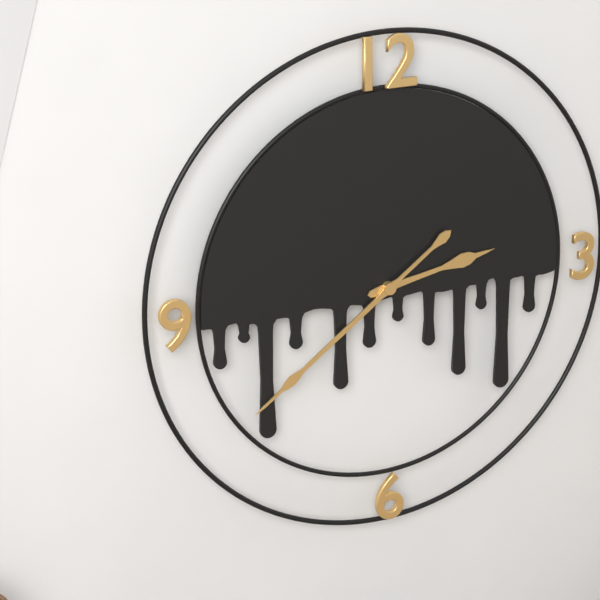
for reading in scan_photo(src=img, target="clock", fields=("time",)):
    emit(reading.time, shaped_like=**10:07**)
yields **2:39**
